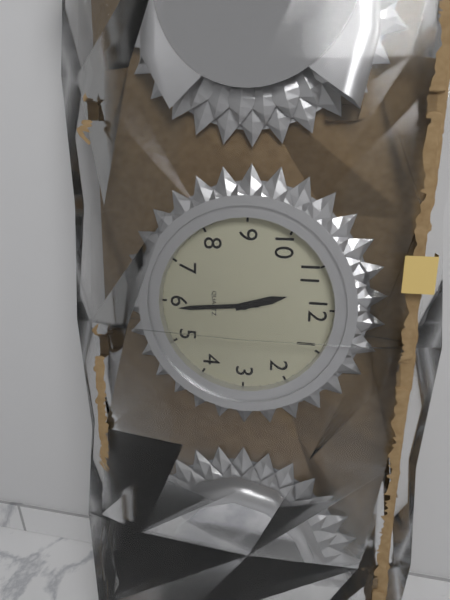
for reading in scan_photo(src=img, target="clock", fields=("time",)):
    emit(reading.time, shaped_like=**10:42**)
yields **11:29**
